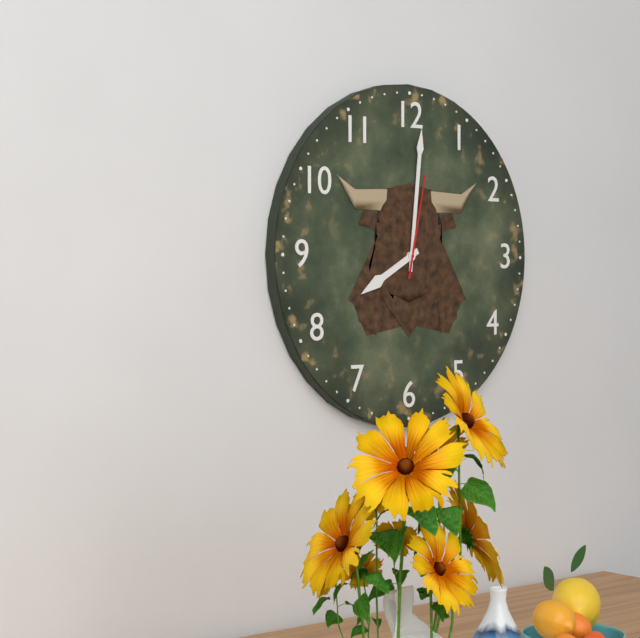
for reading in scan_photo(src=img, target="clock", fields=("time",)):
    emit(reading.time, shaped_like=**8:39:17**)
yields **8:01:02**
